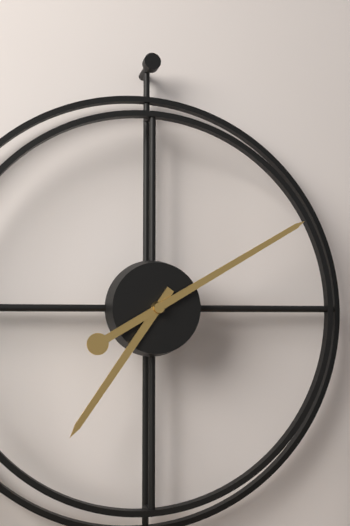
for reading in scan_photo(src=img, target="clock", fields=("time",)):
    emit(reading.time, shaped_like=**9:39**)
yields **7:10**
